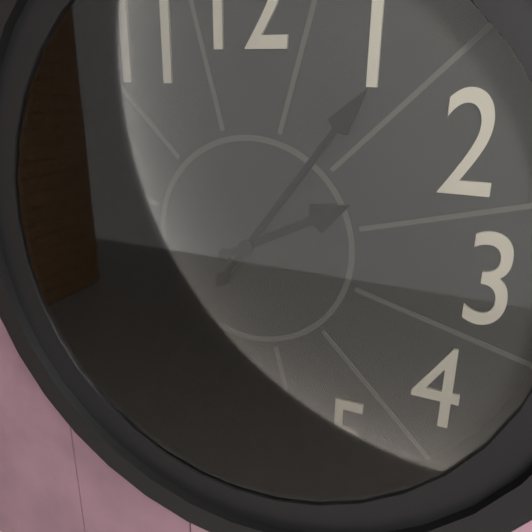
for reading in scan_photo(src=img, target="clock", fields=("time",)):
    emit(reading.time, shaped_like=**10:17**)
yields **2:06**
